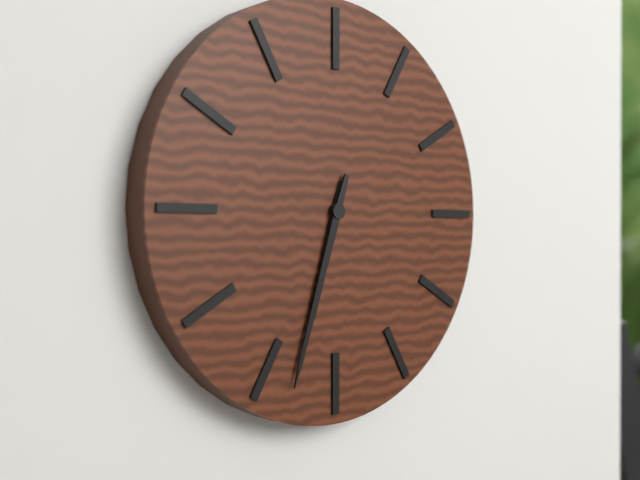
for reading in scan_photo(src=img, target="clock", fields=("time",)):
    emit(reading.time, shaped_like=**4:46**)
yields **6:33**
